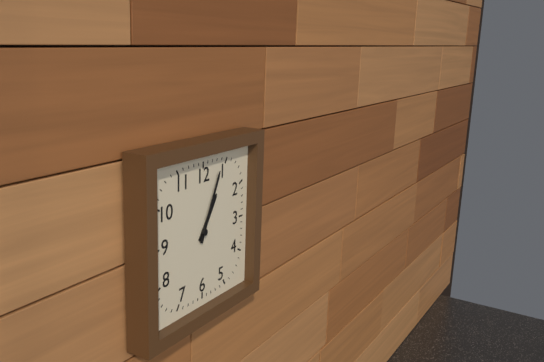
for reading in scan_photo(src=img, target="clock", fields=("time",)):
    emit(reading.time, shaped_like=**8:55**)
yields **1:04**
